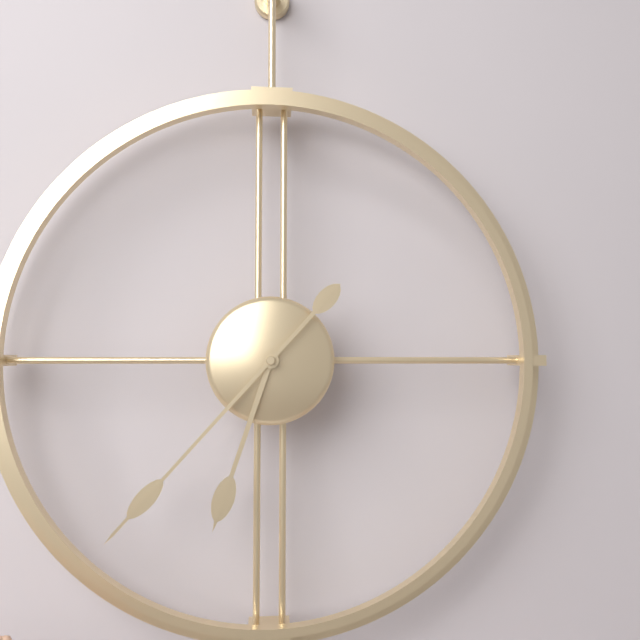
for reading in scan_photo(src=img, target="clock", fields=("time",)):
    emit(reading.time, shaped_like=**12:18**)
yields **6:37**
